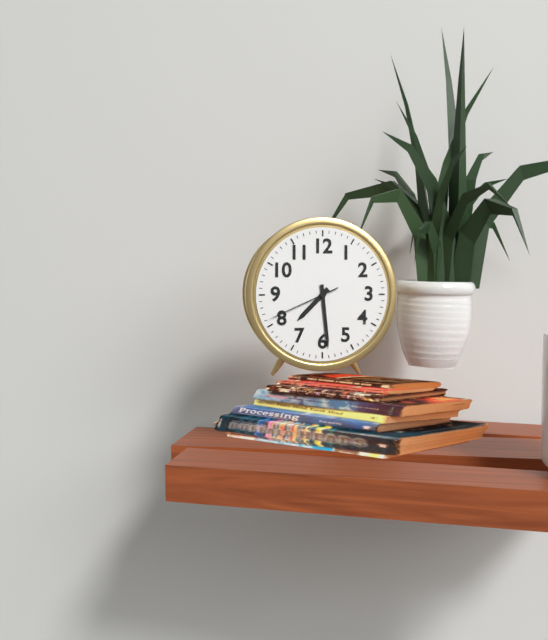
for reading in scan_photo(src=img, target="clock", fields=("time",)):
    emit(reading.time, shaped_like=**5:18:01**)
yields **7:29:41**
